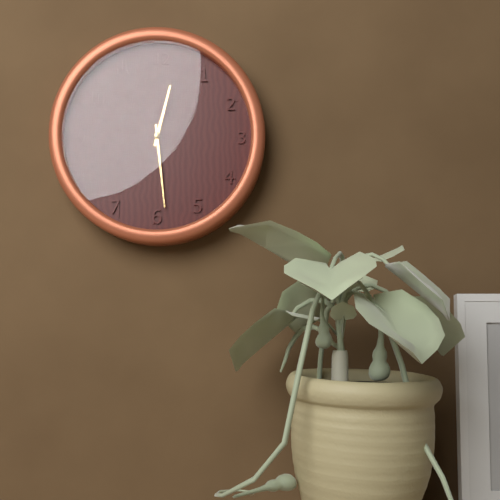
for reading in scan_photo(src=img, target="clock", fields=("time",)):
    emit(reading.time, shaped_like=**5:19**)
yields **12:29**
